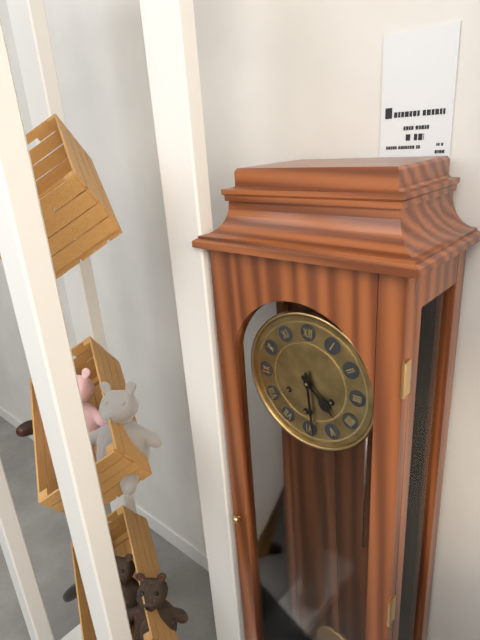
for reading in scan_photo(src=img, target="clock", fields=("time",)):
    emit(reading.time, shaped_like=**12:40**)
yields **4:29**
